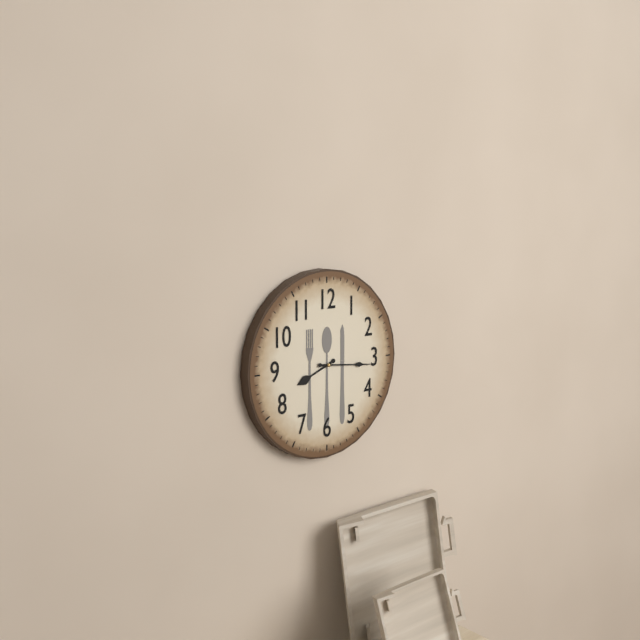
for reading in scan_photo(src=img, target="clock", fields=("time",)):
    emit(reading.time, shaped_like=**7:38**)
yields **8:16**
